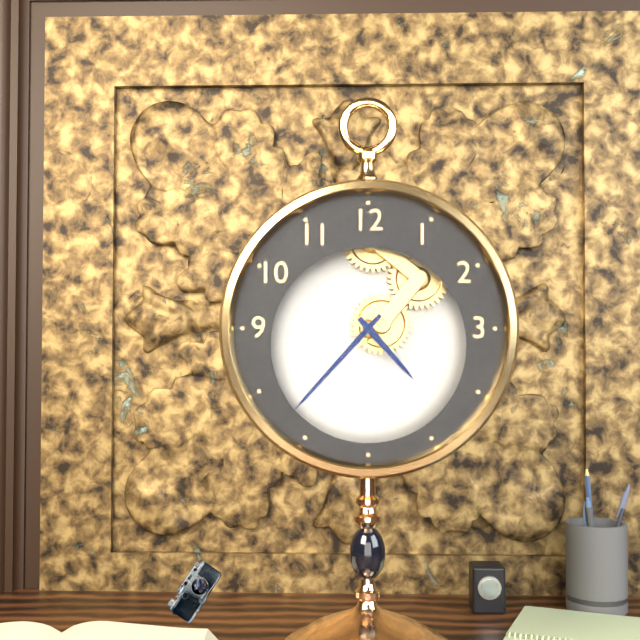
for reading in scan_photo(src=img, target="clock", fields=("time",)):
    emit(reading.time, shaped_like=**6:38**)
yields **4:37**
